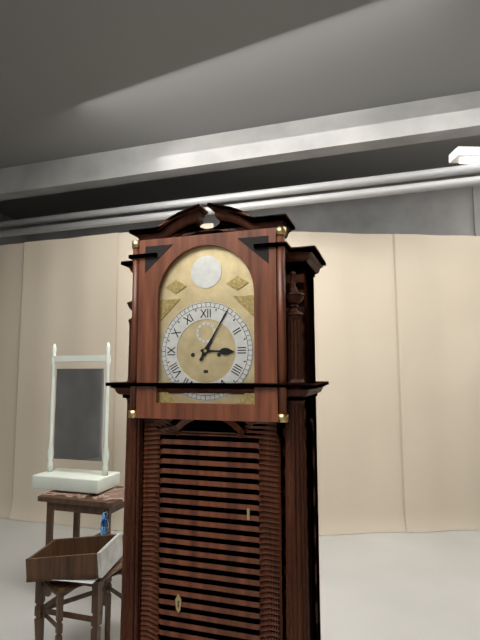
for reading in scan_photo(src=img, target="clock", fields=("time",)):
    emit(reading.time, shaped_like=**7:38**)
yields **3:05**
